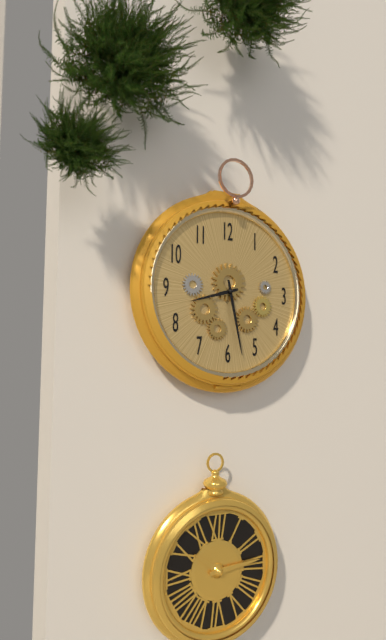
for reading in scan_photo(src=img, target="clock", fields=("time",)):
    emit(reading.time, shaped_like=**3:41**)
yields **8:28**
